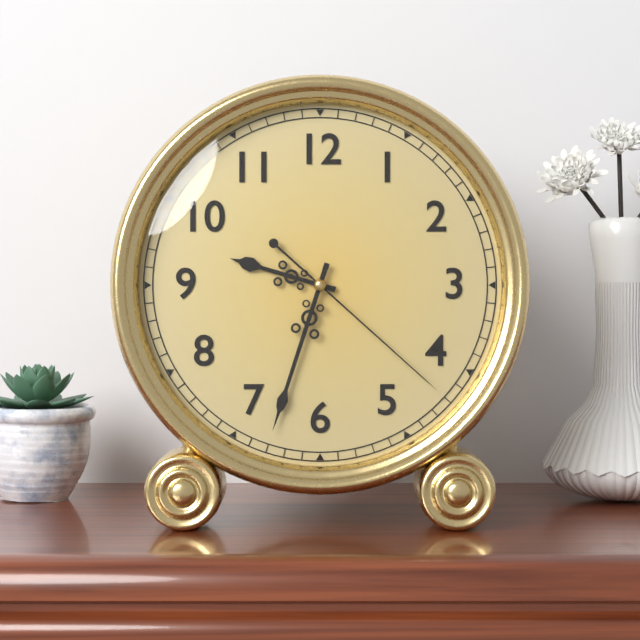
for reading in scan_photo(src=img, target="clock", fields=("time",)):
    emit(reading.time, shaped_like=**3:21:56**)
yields **9:33:22**
